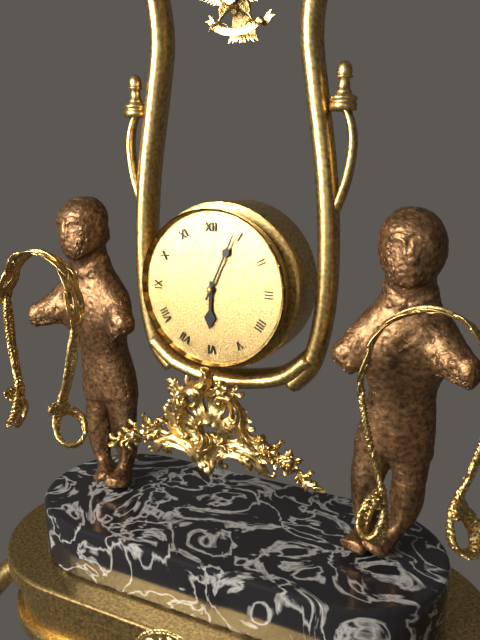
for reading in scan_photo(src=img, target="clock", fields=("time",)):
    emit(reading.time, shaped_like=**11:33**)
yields **6:04**
